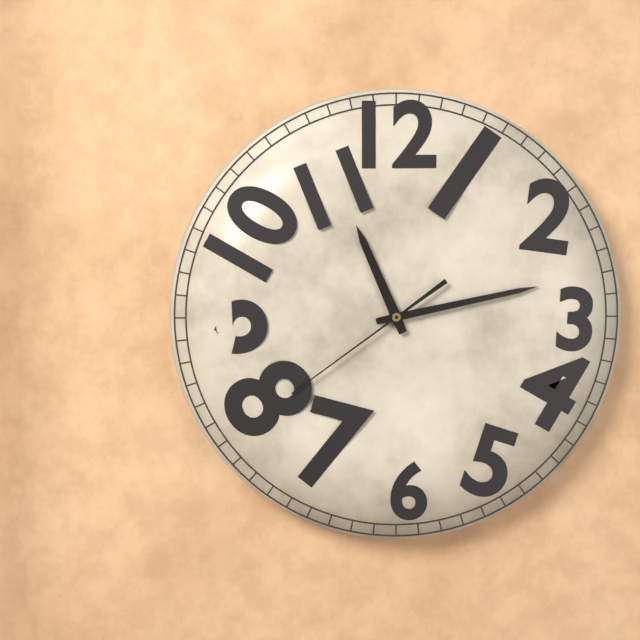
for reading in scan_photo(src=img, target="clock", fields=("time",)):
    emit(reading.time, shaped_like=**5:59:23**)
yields **11:13:39**
